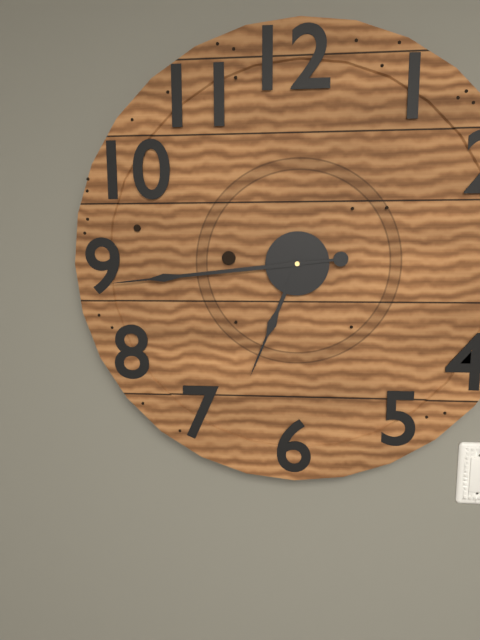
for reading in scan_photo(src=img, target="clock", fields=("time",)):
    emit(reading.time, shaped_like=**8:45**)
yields **6:44**
